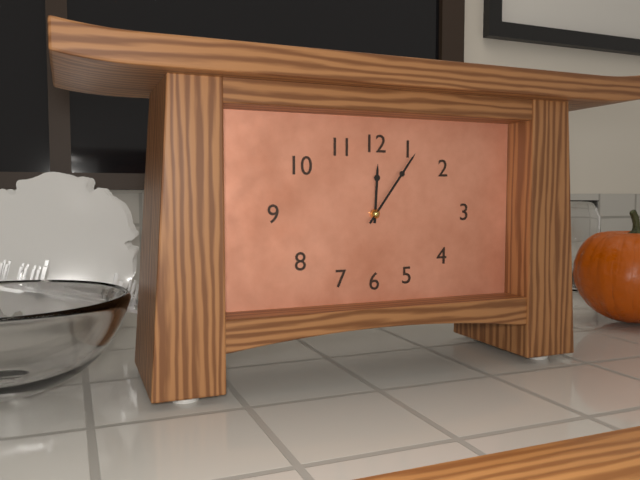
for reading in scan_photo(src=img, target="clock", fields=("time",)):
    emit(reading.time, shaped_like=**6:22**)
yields **12:06**
